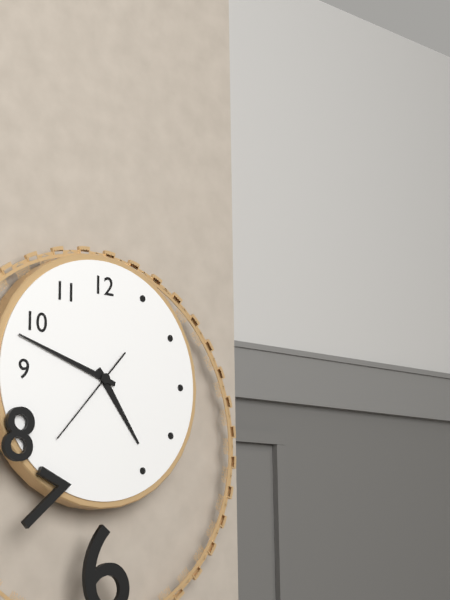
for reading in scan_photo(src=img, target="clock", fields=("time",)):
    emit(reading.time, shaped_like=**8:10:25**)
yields **4:48:37**
